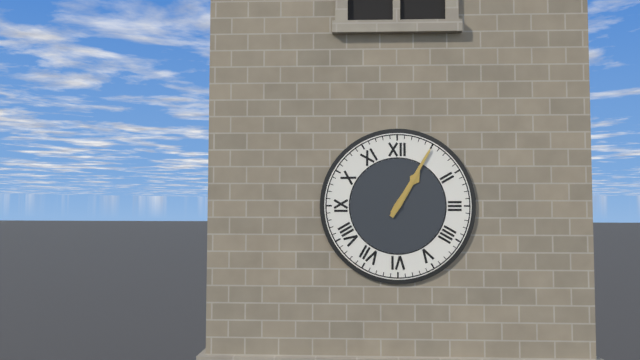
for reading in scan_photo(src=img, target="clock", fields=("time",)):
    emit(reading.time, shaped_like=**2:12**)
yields **1:05**
